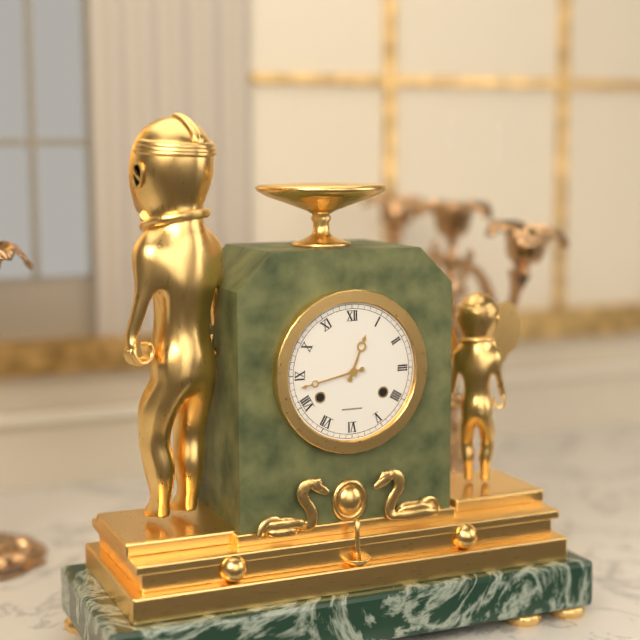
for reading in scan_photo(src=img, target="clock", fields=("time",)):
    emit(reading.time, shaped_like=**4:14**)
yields **12:43**
